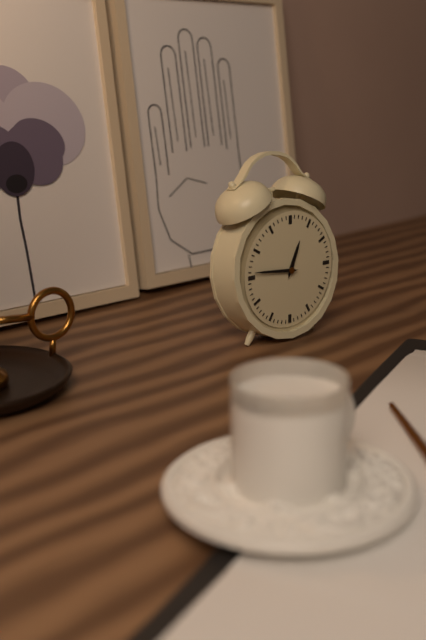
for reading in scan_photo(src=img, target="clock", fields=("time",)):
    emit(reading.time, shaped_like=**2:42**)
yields **12:46**
